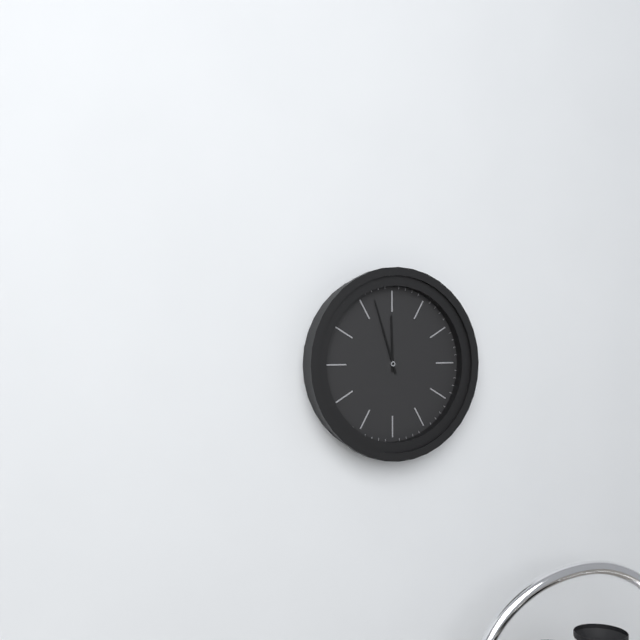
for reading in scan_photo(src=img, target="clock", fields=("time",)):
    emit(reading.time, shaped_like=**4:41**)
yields **11:57**
